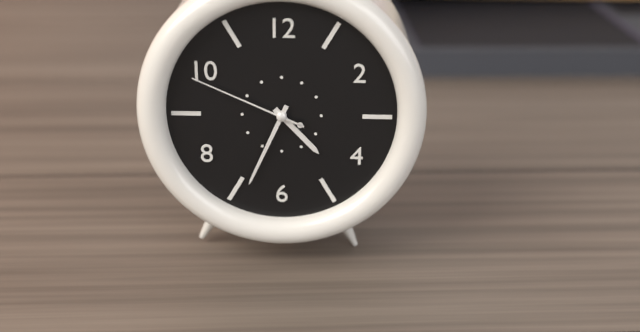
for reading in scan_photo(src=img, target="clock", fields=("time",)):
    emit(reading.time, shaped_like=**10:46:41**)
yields **4:34:49**
